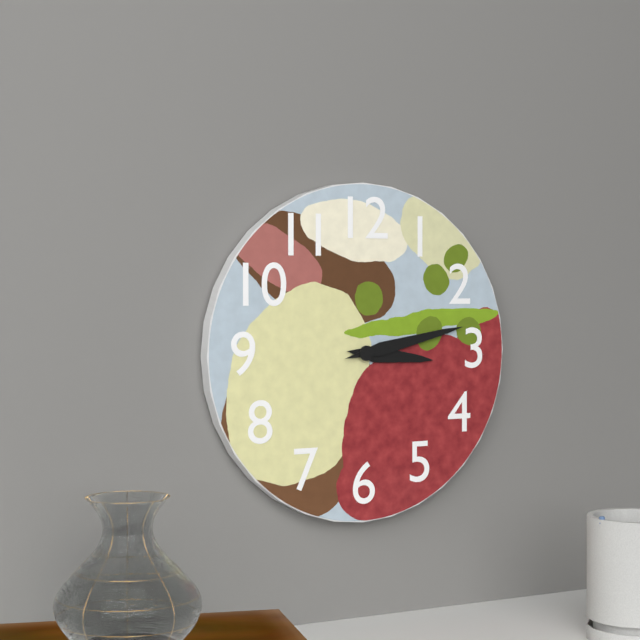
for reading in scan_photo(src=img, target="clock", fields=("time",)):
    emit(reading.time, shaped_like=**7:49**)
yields **3:13**
